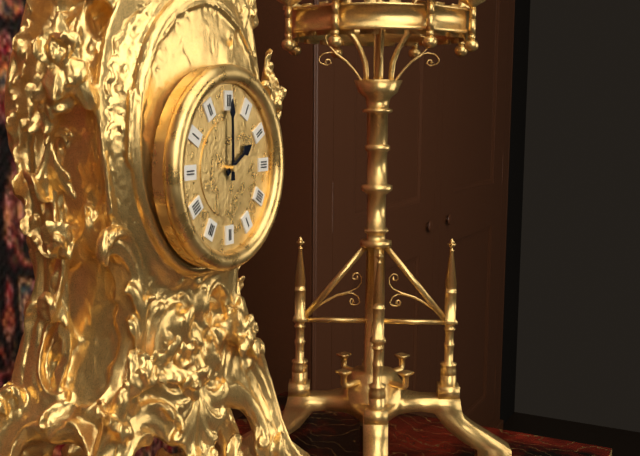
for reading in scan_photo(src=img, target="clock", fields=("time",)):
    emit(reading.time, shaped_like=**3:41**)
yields **2:00**
